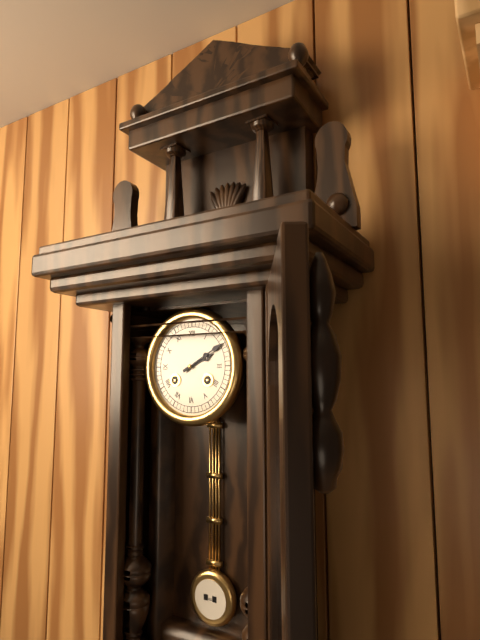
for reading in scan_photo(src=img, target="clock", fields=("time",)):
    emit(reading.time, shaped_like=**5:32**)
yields **2:10**
